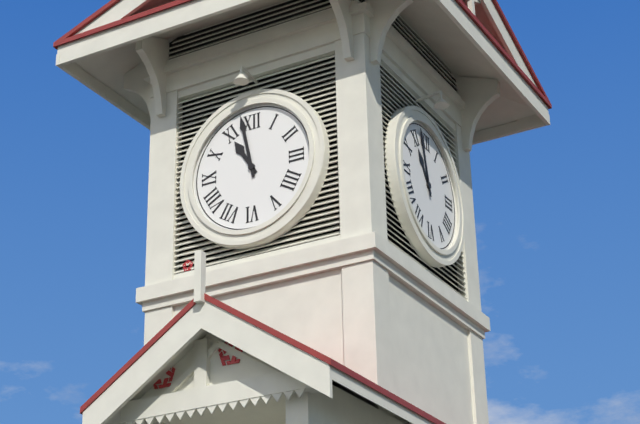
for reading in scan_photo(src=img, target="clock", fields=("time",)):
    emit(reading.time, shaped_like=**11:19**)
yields **10:58**
